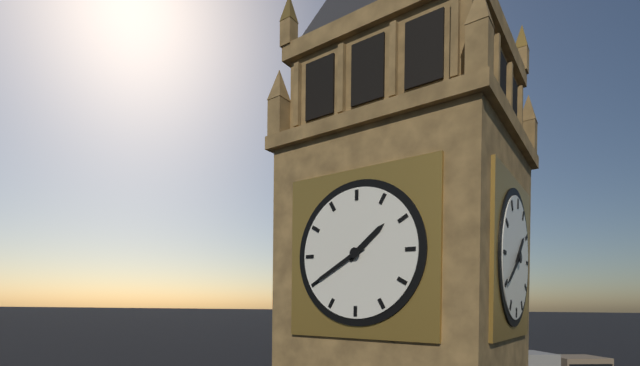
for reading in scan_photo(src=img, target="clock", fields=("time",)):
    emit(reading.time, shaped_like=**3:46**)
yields **1:40**
